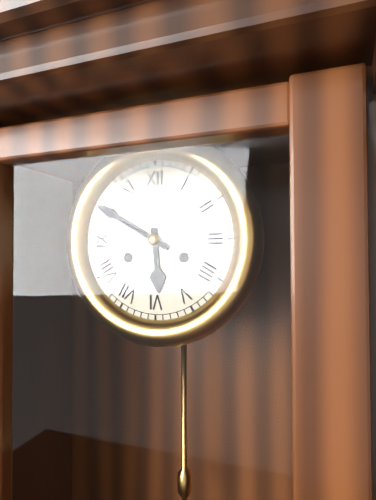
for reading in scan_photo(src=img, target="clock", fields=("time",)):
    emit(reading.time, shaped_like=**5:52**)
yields **5:50**
